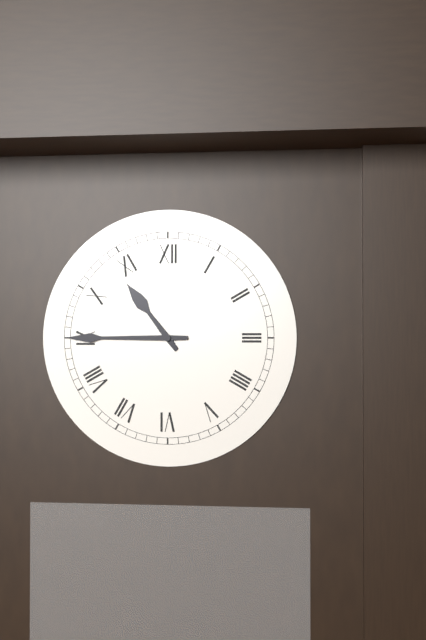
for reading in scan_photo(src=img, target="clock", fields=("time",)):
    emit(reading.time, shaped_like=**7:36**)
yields **10:45**
